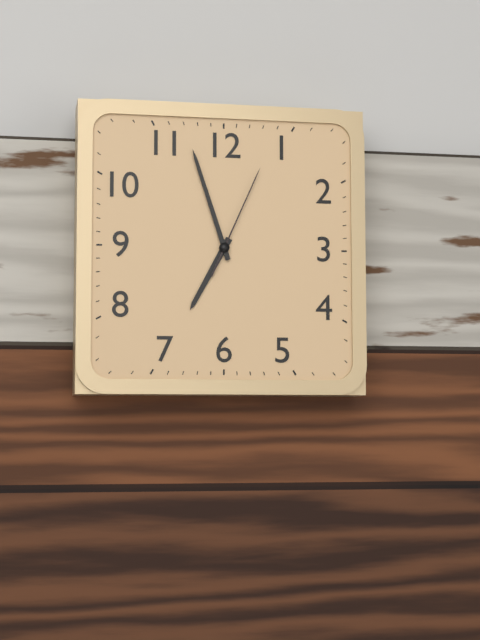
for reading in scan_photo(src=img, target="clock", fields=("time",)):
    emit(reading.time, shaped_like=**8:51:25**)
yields **6:57:04**
